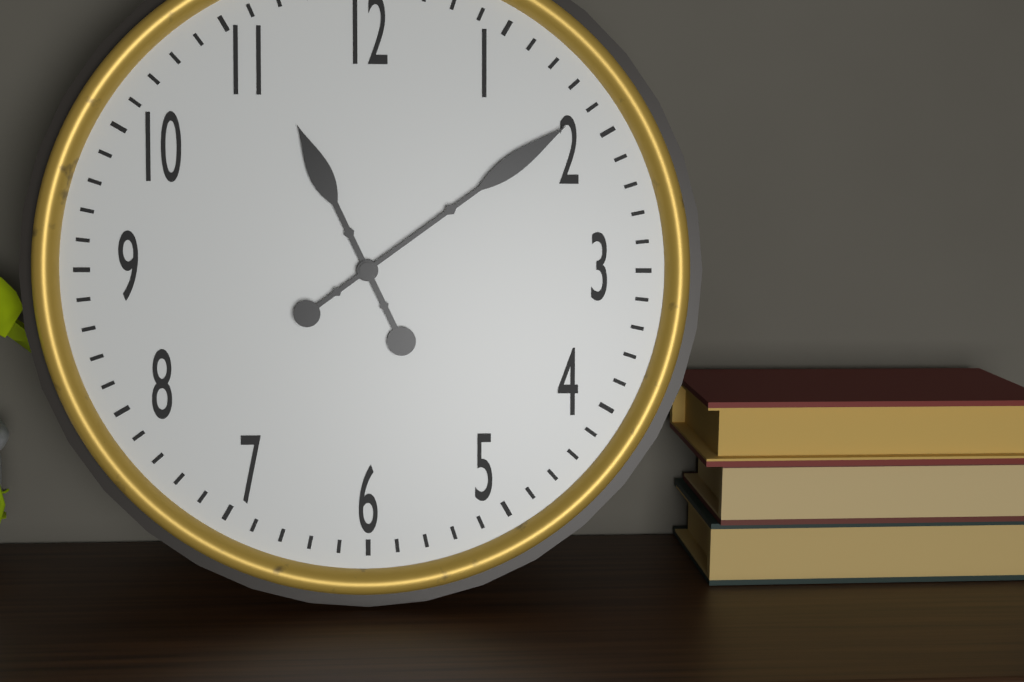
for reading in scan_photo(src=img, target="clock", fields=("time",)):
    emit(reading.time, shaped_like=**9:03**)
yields **11:09**
